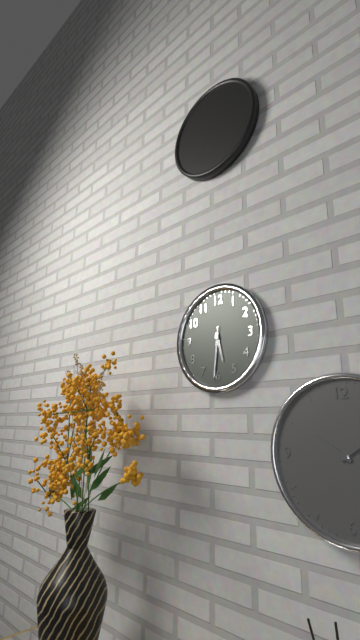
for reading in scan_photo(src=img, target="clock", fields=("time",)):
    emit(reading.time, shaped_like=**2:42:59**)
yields **5:31:31**
